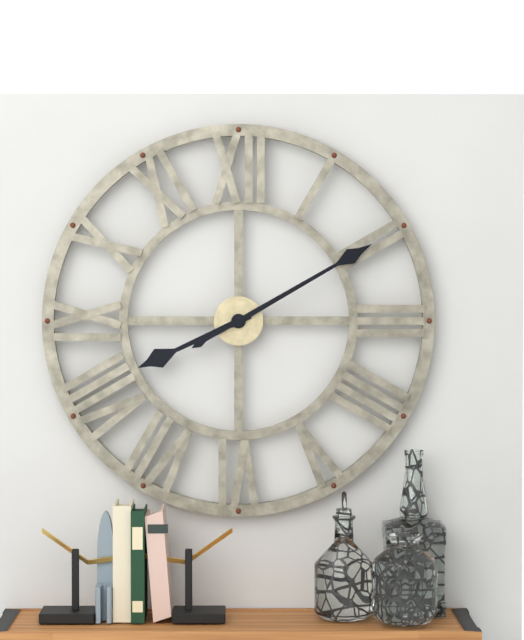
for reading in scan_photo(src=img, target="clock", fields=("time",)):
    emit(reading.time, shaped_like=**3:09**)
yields **8:10**
